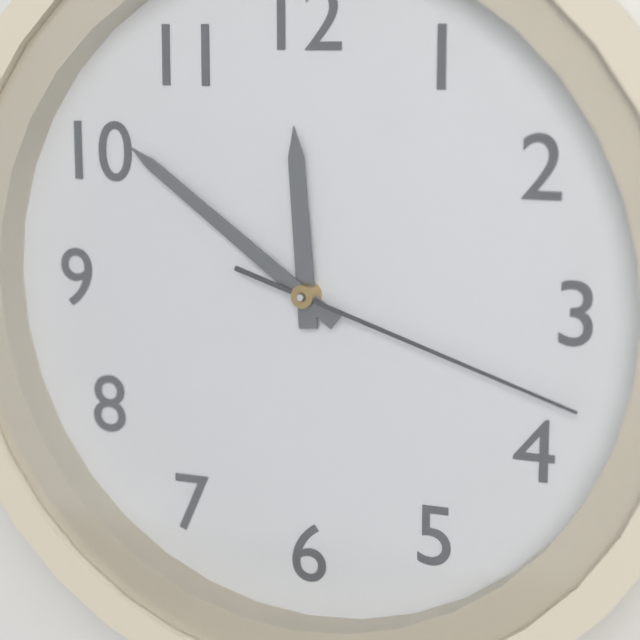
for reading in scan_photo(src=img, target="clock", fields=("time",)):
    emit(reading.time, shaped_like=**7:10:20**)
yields **11:51:18**
